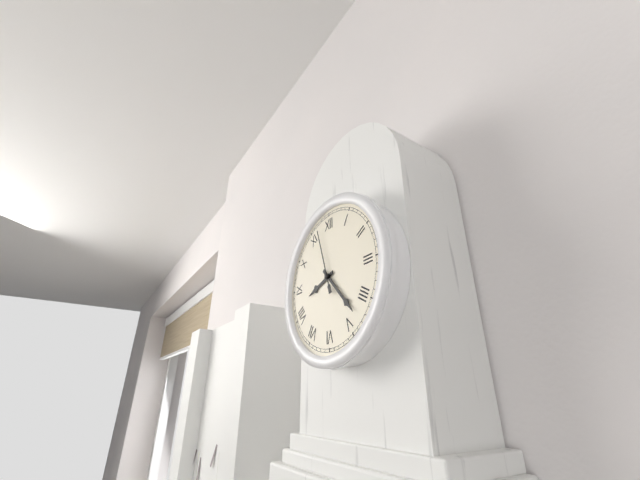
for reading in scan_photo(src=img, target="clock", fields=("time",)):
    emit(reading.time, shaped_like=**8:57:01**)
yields **8:23:57**
